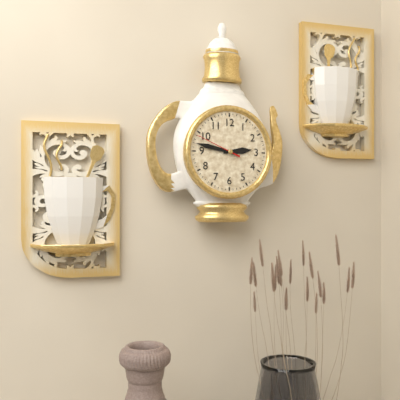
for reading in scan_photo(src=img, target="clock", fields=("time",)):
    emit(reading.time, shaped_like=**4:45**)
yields **2:47**
